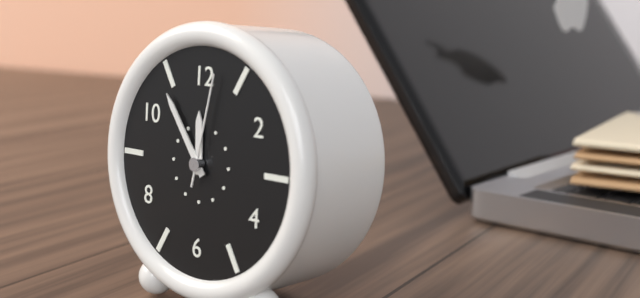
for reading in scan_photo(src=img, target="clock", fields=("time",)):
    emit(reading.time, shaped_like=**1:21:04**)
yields **11:54:02**
